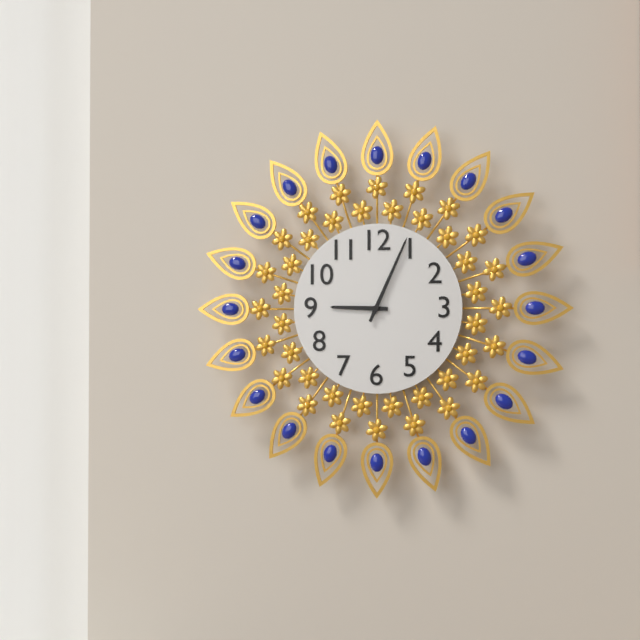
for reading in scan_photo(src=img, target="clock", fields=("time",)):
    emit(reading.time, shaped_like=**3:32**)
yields **9:04**
